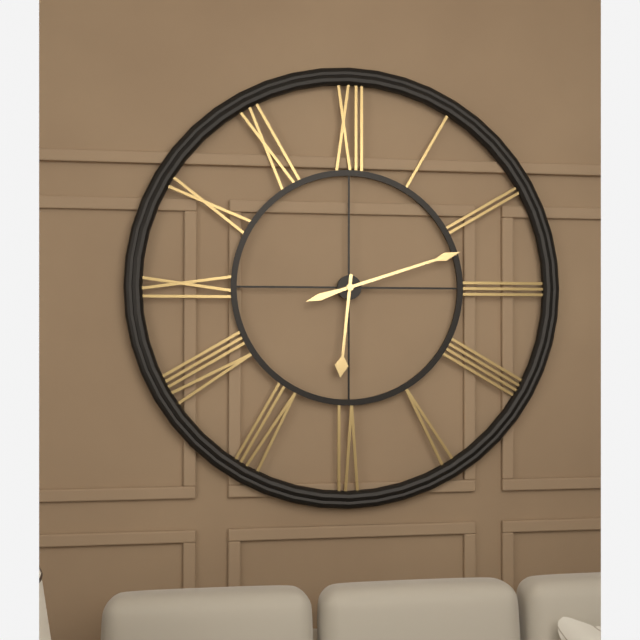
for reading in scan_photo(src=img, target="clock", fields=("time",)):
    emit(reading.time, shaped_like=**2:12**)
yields **6:12**
